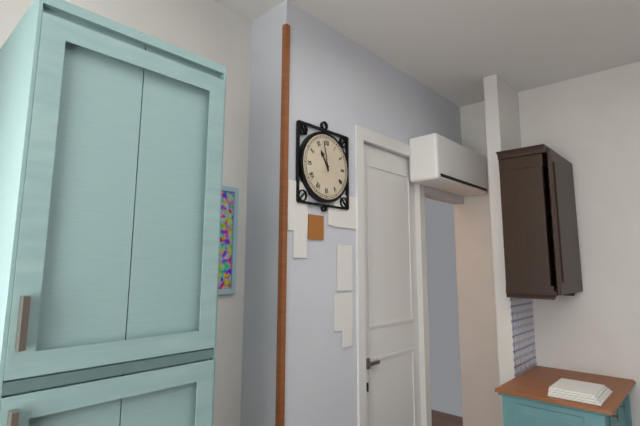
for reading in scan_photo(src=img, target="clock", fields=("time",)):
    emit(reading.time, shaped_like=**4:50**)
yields **10:58**
